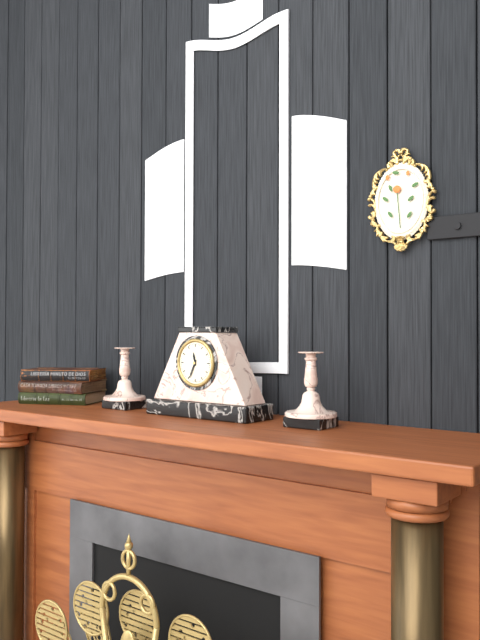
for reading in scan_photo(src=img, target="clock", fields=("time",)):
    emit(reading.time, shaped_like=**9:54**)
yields **11:34**
